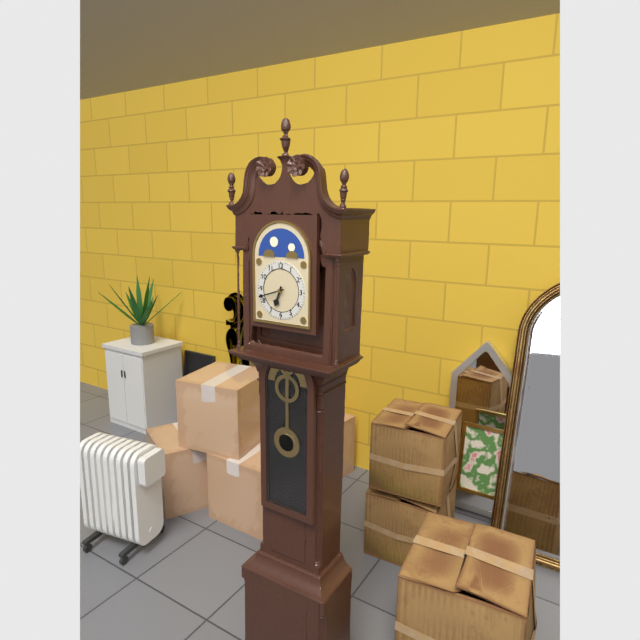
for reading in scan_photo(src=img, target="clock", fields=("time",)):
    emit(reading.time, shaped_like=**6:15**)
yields **6:42**
